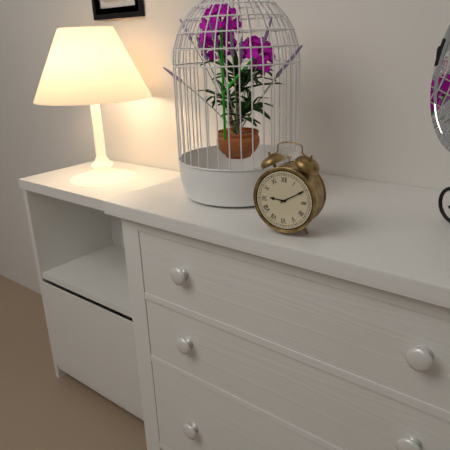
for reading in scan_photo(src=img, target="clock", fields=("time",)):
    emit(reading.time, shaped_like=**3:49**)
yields **9:10**
